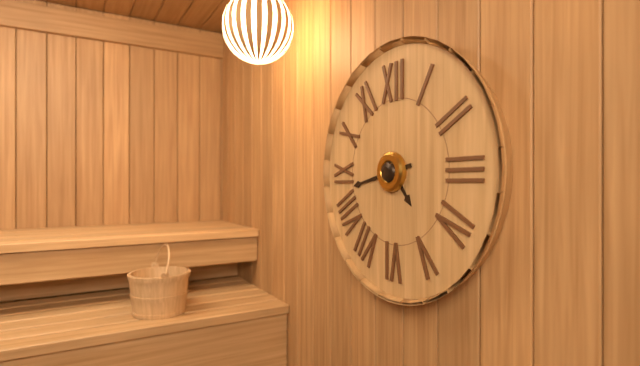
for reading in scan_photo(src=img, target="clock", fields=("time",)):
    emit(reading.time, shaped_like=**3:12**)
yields **4:43**
